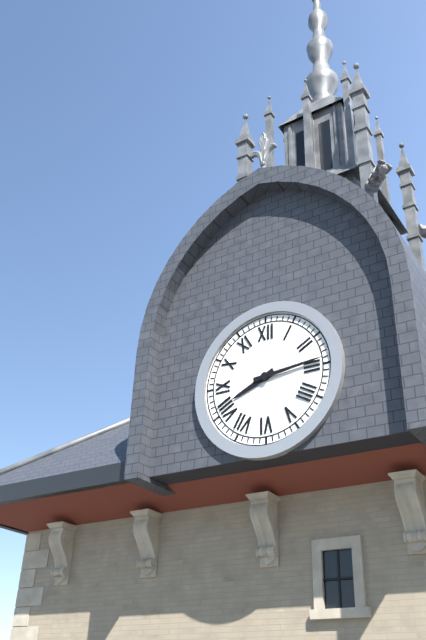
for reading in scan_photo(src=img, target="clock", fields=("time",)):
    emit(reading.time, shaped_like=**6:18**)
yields **8:14**
